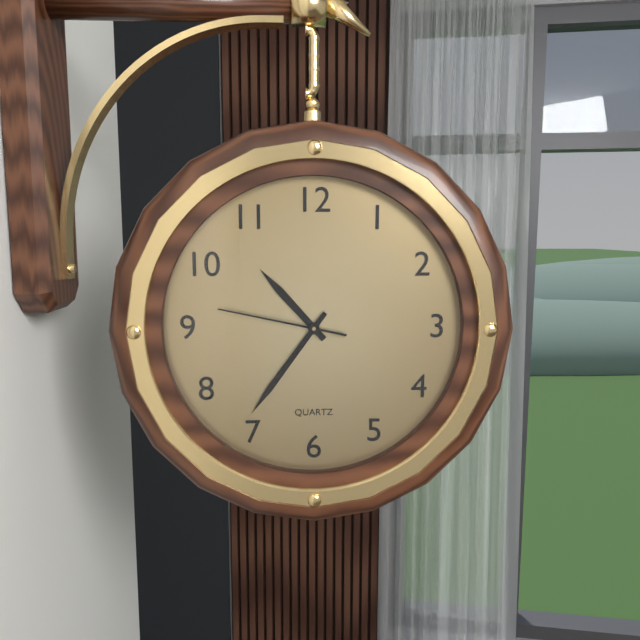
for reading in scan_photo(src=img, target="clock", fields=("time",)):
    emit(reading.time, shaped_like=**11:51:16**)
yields **10:36:47**
